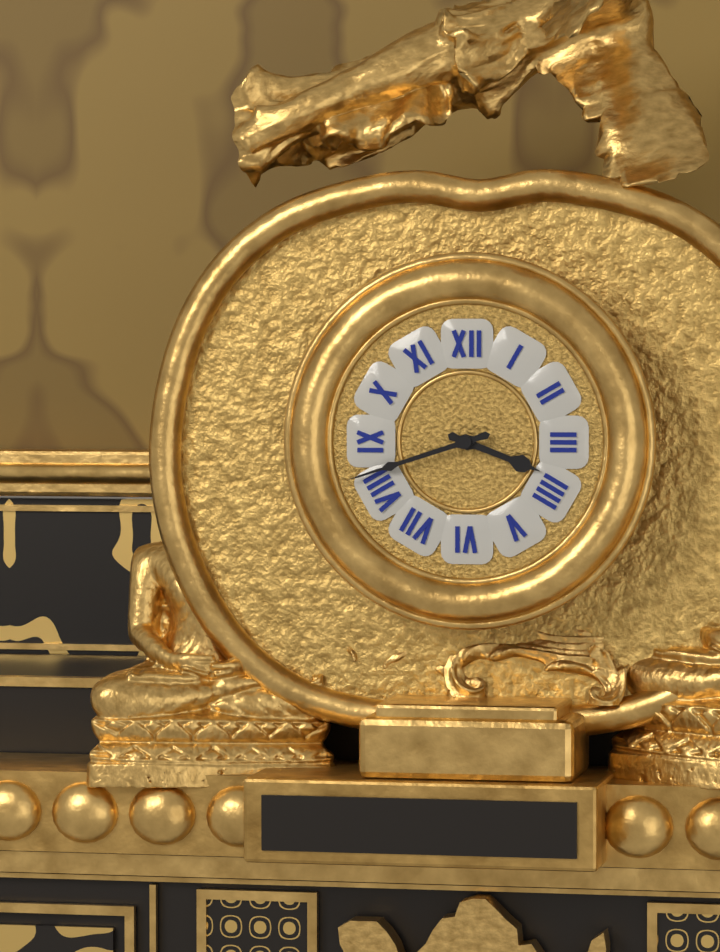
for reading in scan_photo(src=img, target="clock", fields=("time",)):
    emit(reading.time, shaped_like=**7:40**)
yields **3:42**
